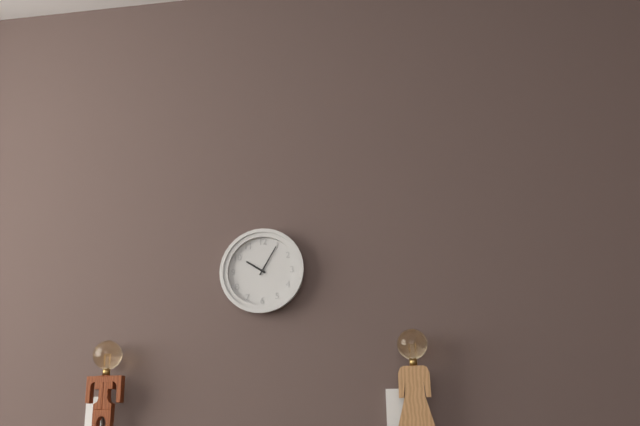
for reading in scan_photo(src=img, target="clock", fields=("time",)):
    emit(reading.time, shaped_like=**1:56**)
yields **10:05**
